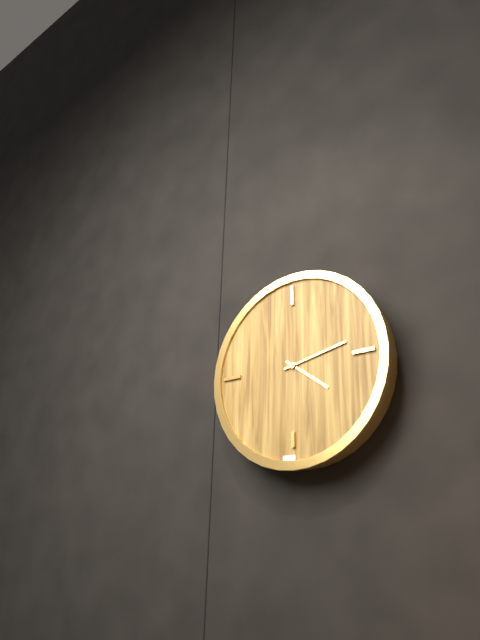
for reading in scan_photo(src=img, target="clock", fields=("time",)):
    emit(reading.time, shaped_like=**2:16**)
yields **4:13**
